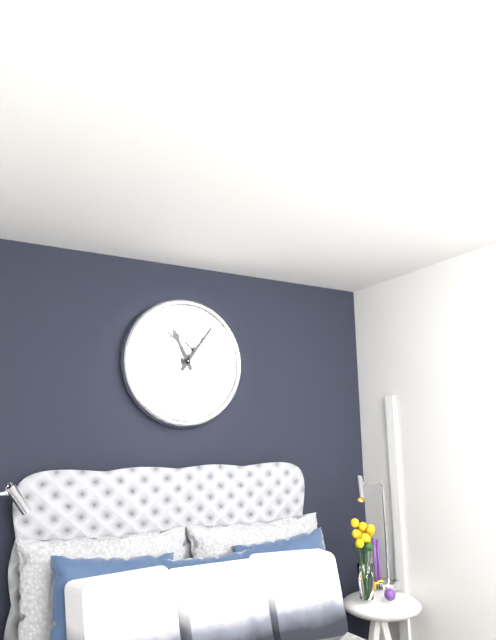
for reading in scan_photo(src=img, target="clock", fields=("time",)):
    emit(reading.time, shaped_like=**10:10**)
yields **11:06**
